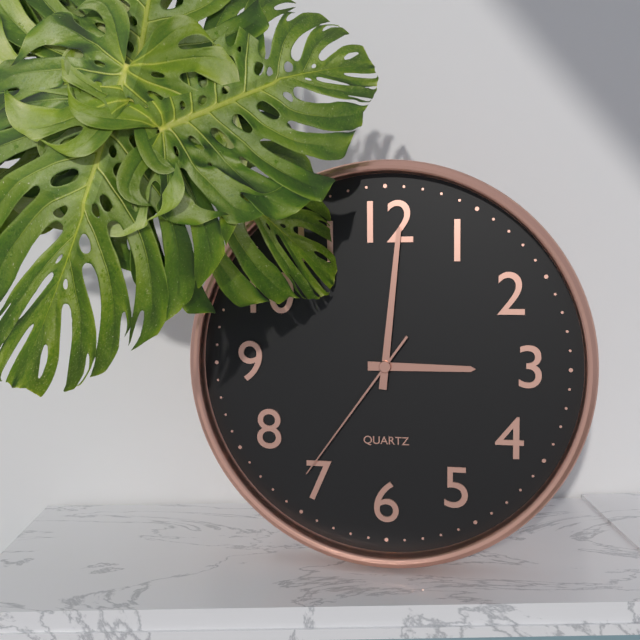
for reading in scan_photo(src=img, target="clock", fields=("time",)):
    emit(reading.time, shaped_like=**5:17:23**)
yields **3:01:36**
